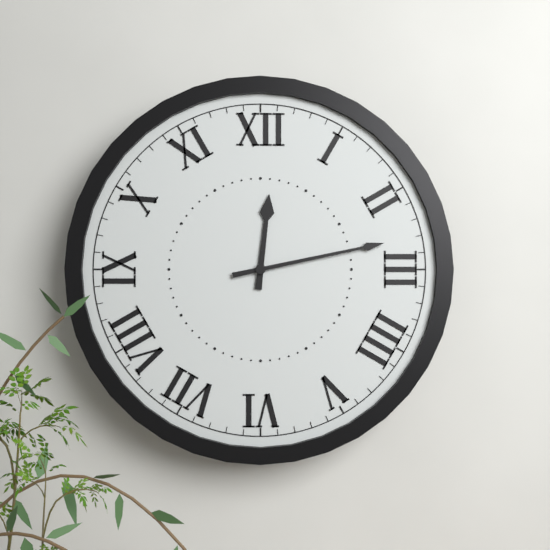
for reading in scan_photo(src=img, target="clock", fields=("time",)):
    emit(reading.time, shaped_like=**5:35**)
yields **12:13**
